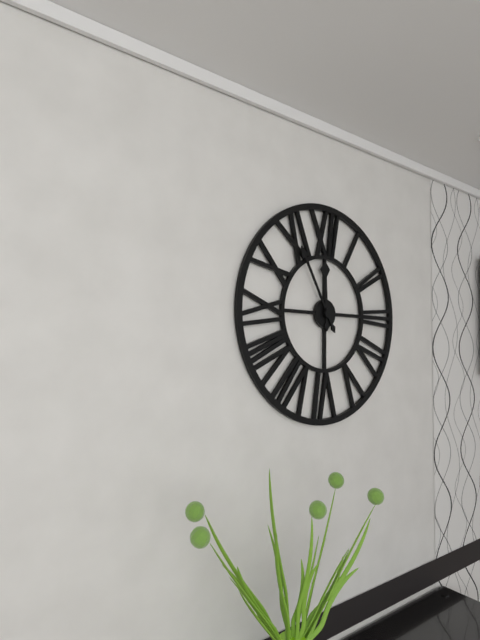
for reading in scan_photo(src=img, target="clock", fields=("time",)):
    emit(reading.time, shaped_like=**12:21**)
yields **11:55**
